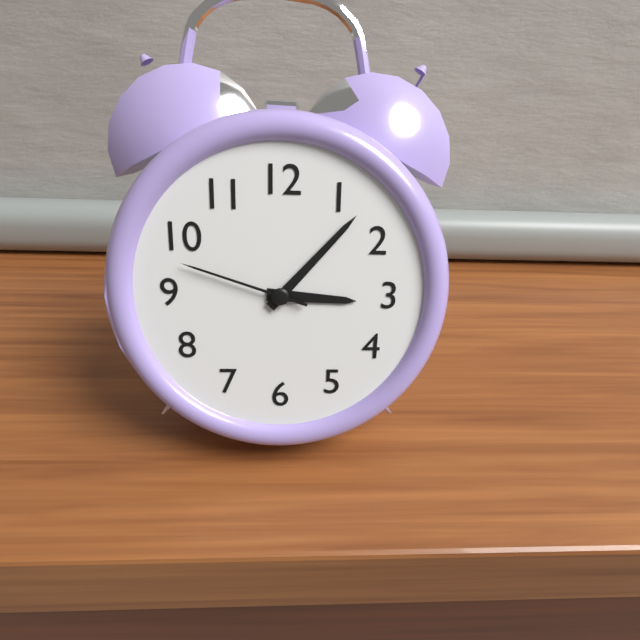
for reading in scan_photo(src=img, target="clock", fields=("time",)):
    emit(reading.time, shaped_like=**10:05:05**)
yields **3:07:48**
